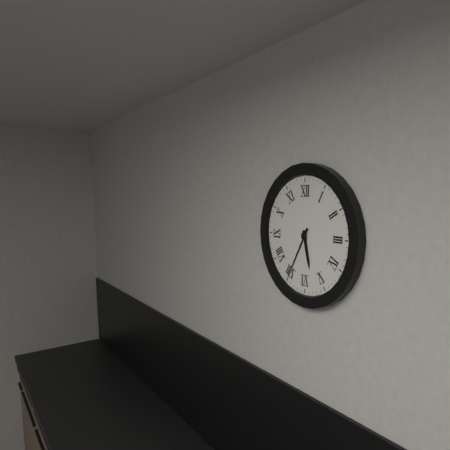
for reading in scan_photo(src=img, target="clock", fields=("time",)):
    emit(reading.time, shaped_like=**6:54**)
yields **5:35**
